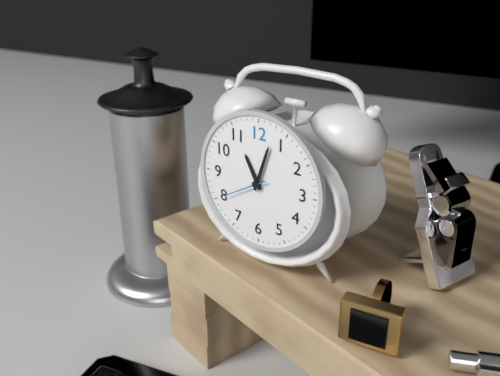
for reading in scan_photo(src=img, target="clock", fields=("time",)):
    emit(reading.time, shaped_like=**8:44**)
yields **11:03**
